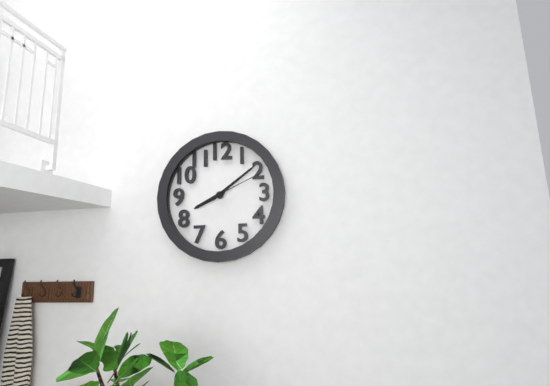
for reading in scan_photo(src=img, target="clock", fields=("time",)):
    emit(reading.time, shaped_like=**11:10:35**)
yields **8:09:11**
